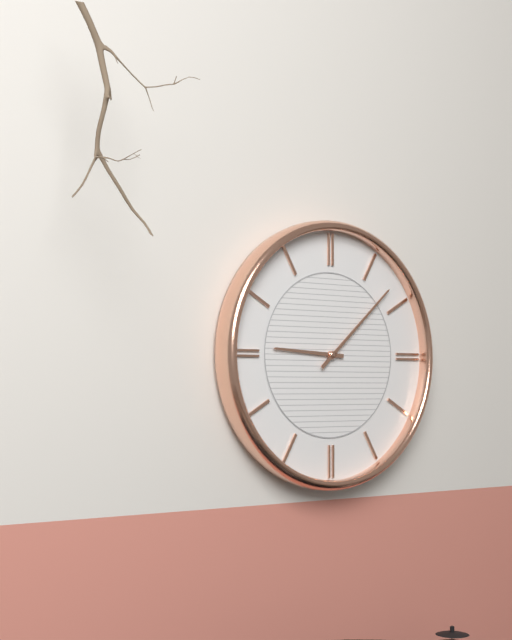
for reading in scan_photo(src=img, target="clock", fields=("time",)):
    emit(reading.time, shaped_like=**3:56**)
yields **9:08**
